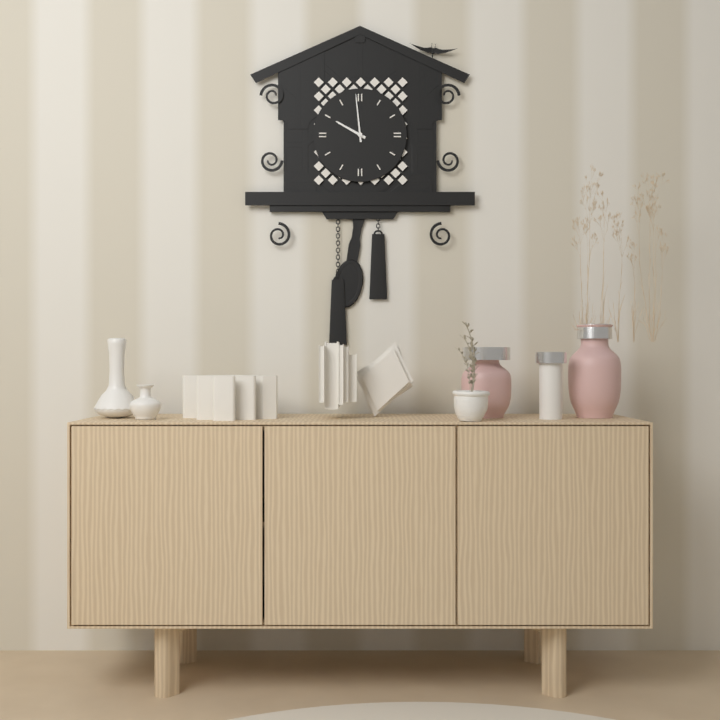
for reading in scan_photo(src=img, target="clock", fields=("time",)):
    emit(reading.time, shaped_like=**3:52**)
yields **9:59**
